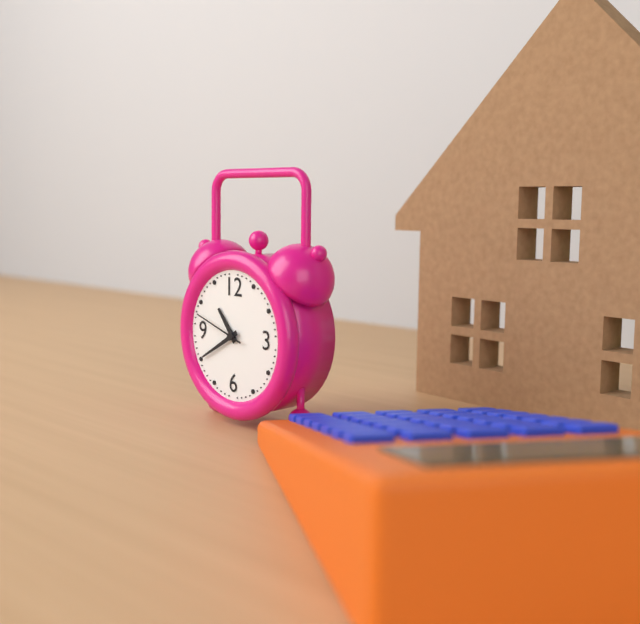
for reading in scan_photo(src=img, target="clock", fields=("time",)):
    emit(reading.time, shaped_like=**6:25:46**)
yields **10:40:48**
